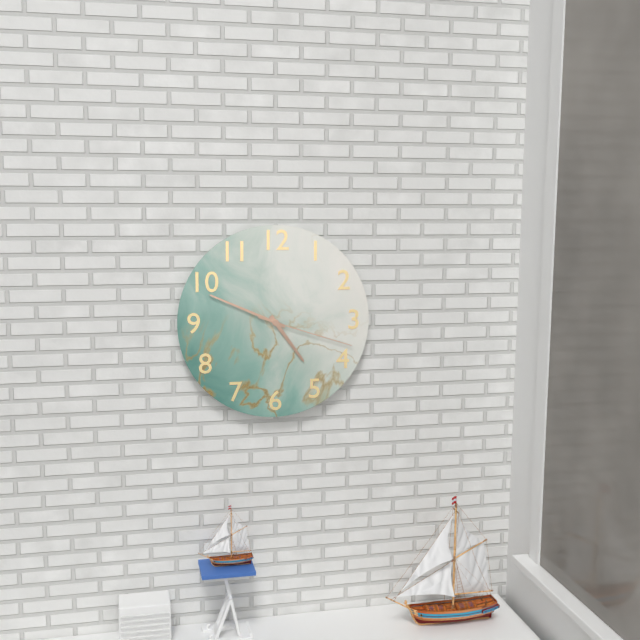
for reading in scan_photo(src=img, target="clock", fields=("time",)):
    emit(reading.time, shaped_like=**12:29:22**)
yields **4:49:18**
